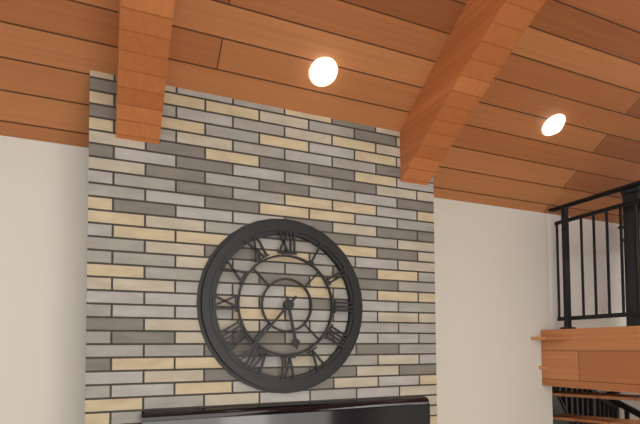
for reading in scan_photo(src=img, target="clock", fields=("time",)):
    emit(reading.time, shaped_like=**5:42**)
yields **5:37**
